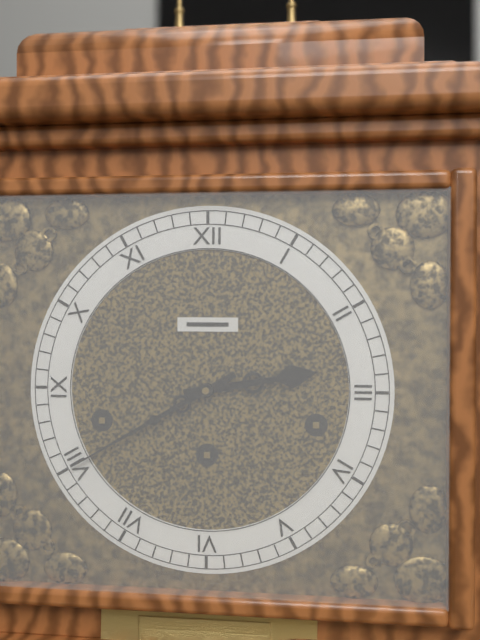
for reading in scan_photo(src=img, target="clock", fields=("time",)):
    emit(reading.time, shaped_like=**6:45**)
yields **2:40**
